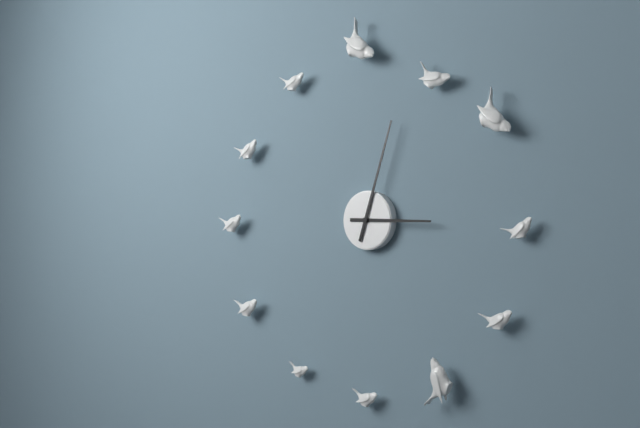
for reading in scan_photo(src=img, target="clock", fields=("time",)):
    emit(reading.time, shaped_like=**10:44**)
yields **3:03**
